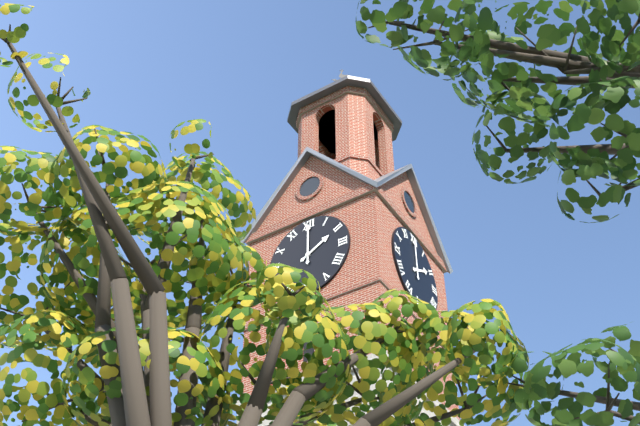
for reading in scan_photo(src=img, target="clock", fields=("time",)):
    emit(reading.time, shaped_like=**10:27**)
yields **2:00**
